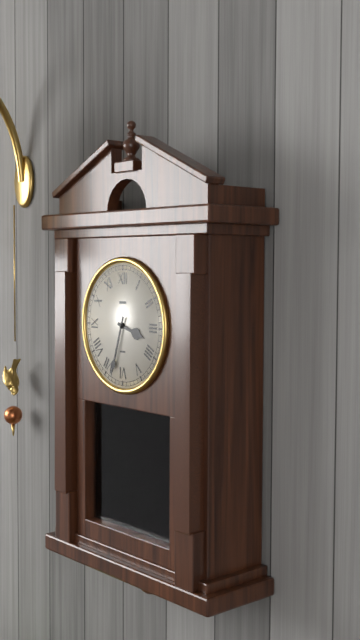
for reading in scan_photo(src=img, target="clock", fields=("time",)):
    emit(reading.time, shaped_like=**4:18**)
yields **3:33**
